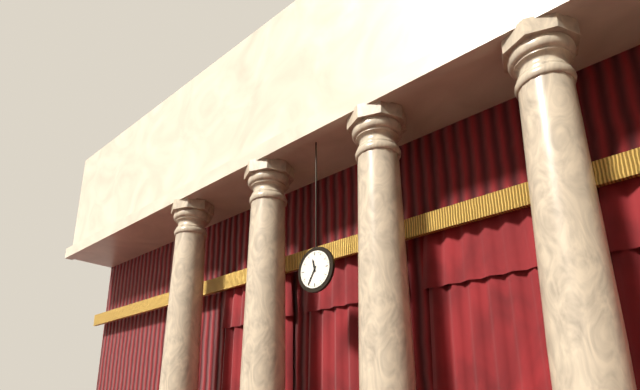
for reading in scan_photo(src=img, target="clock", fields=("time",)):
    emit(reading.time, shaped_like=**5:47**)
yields **11:35**
